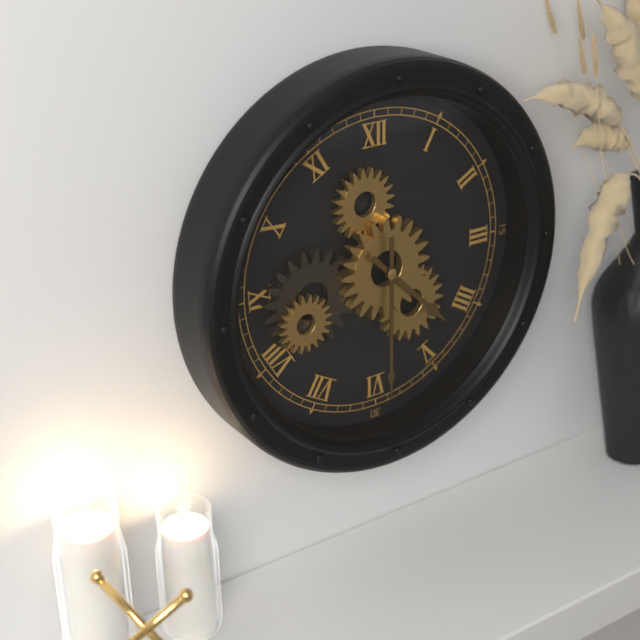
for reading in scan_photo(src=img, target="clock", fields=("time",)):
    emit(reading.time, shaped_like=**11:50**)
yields **4:30**
